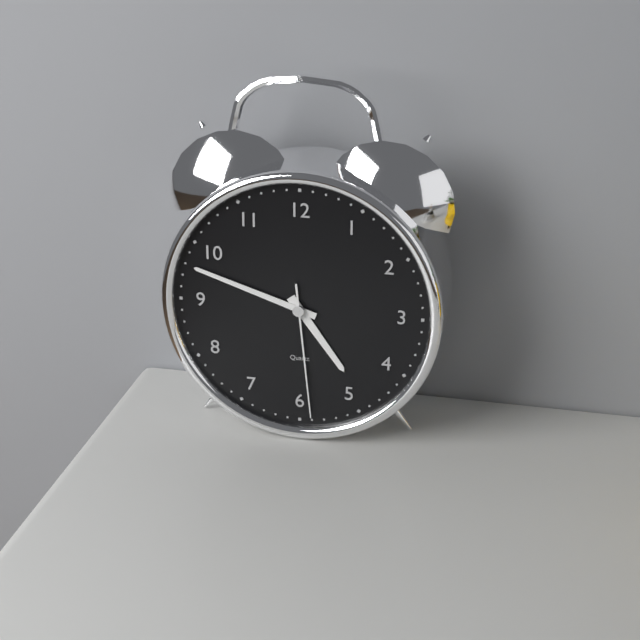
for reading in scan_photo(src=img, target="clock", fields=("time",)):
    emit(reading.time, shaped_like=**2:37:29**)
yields **4:48:29**
